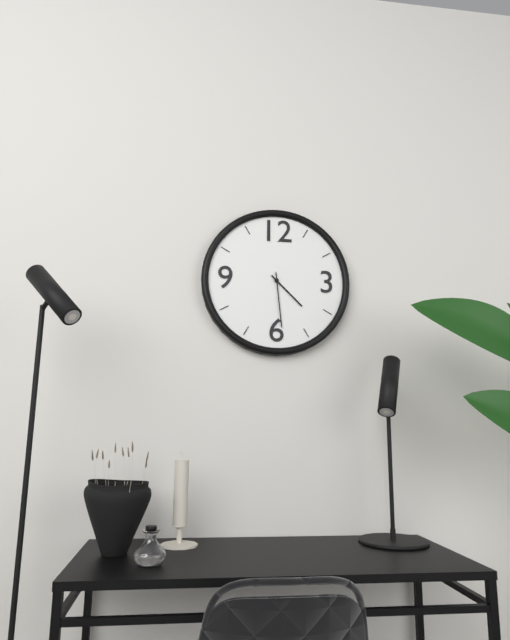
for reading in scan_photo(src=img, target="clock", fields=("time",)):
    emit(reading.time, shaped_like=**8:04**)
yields **4:29**
